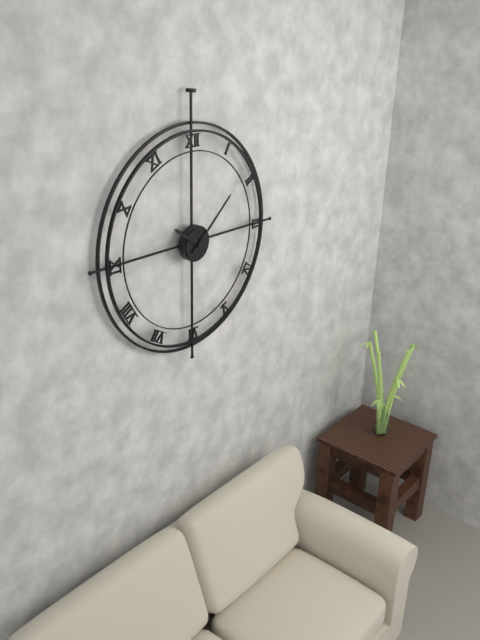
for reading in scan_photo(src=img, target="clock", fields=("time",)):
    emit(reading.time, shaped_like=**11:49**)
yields **10:08**
